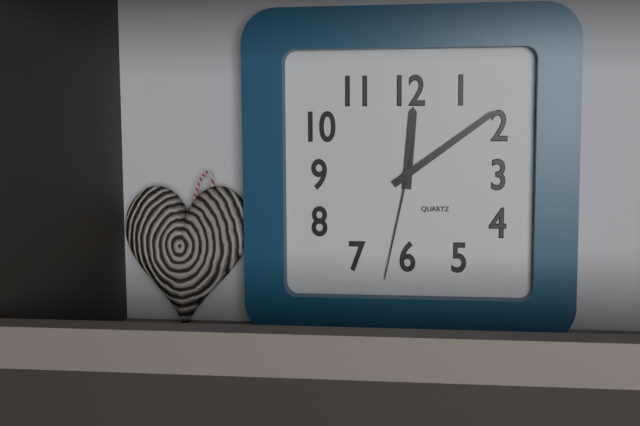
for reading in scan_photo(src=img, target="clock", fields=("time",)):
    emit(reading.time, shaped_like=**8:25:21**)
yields **12:09:32**
